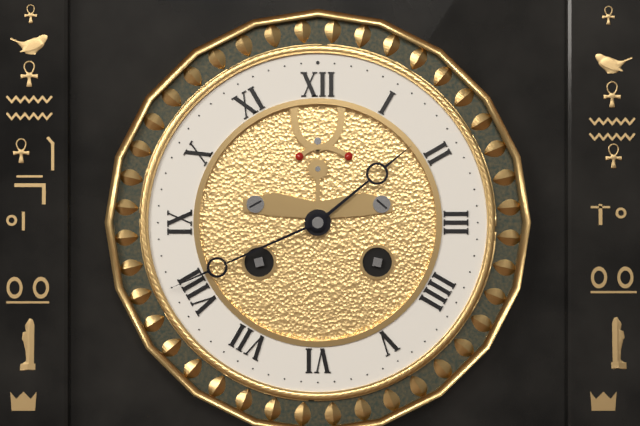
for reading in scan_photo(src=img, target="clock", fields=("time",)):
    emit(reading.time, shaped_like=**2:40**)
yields **1:41**
